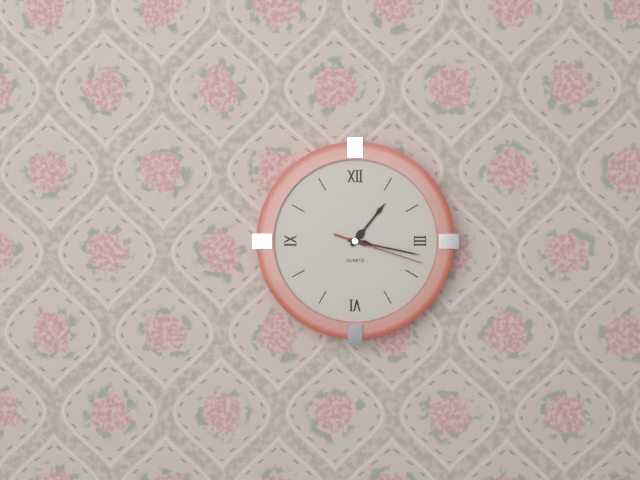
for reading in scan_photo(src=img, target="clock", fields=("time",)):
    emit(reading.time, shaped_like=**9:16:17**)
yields **1:17:18**
